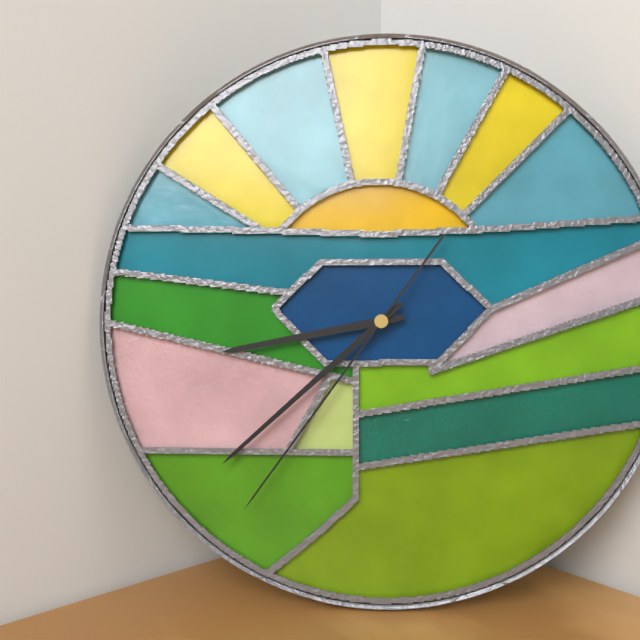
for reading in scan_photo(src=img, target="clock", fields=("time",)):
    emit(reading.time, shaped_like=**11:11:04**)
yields **8:38:36**
